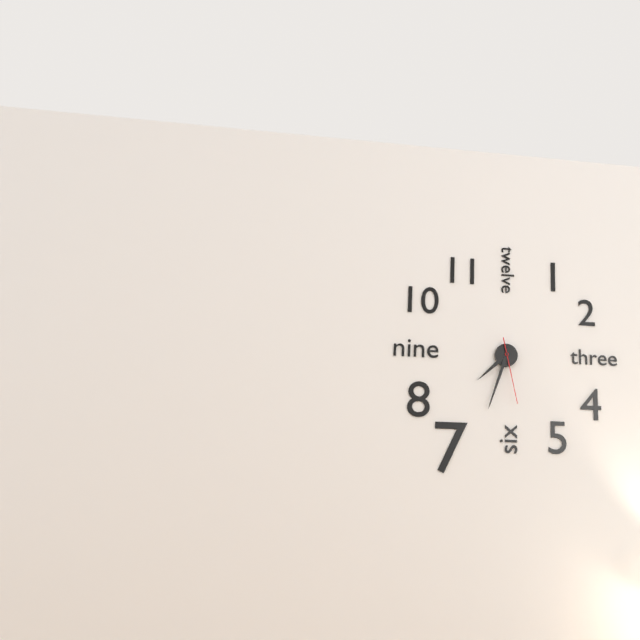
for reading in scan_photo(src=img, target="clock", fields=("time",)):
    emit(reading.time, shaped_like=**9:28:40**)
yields **7:33:28**
